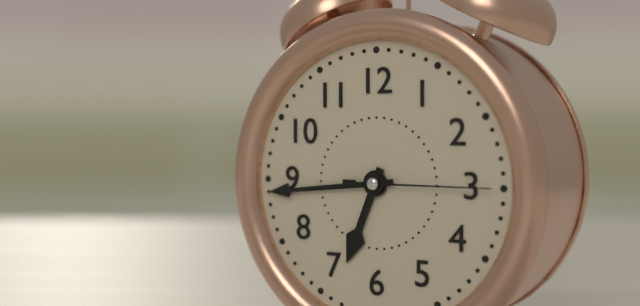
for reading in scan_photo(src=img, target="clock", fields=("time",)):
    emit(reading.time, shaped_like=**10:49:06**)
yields **6:44:15**
